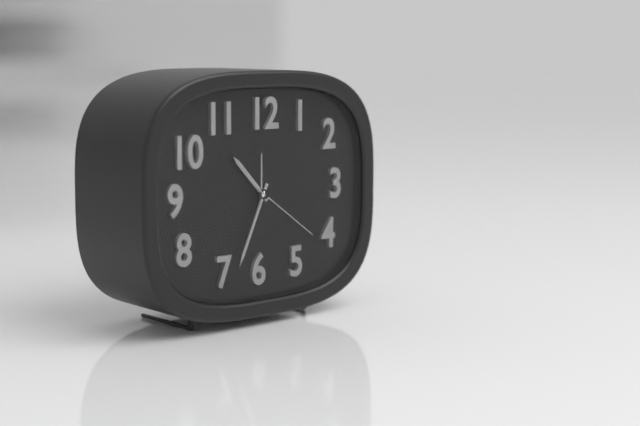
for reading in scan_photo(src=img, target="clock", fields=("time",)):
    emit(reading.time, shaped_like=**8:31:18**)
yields **10:34:21**
